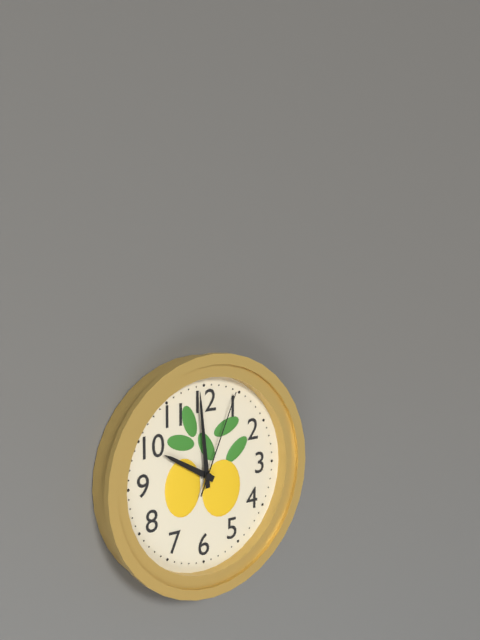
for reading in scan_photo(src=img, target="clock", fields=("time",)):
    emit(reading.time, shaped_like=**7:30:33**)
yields **9:59:04**
